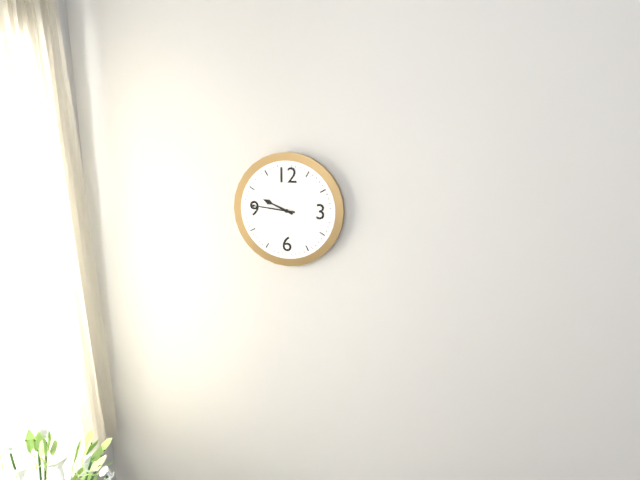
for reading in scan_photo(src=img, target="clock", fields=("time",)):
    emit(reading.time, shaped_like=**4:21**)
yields **9:46**
